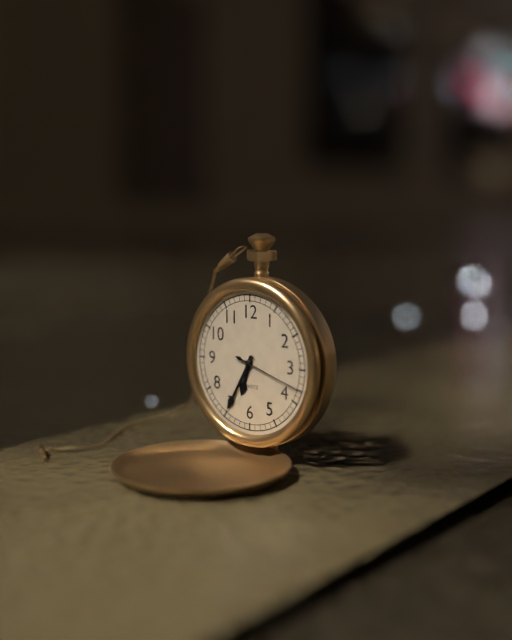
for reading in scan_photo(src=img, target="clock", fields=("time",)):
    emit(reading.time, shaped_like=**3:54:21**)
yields **6:35:18**
